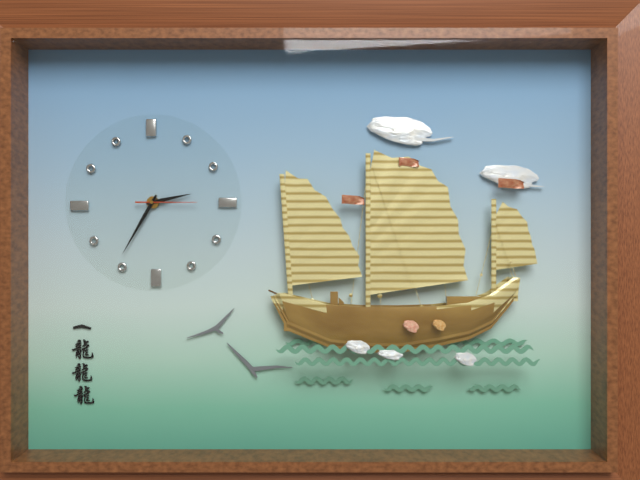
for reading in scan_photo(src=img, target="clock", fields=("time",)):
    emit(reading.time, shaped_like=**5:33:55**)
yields **2:35:15**
